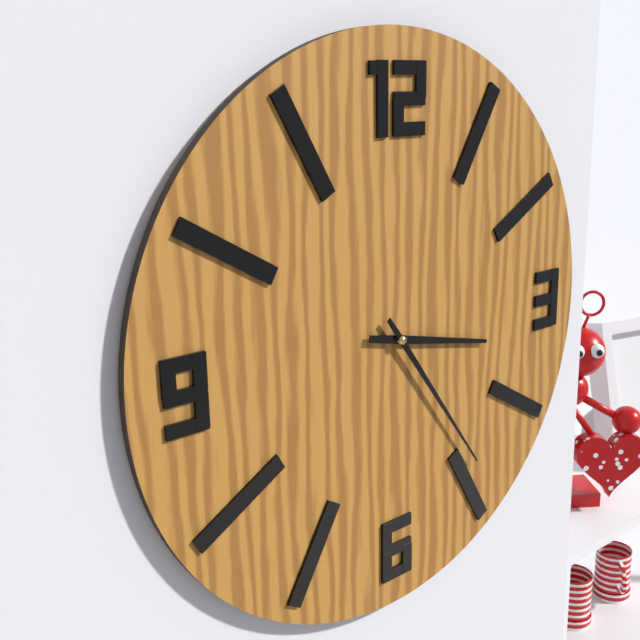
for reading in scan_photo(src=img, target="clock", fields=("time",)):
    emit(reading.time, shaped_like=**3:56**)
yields **3:24**
